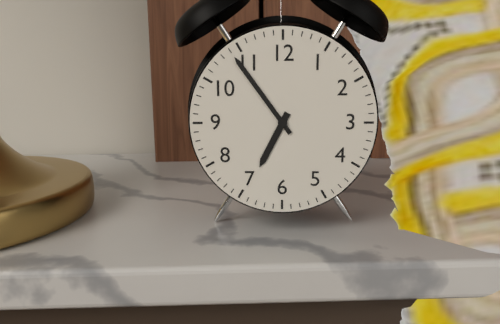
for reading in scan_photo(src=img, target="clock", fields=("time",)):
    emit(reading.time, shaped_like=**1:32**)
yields **6:54**
